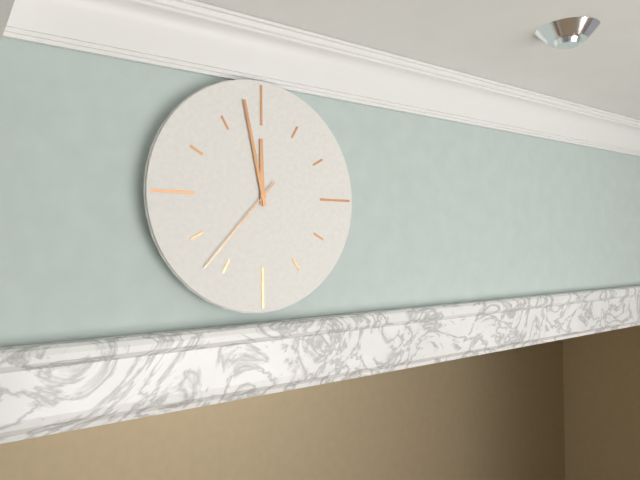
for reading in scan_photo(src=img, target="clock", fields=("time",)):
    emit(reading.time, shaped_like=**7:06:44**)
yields **11:58:37**
